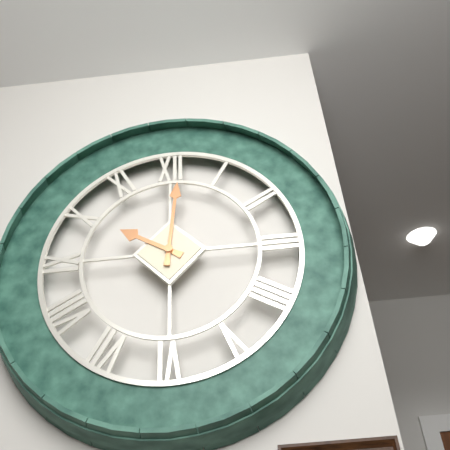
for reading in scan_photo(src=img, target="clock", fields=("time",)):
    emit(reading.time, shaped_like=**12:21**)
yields **10:01**
